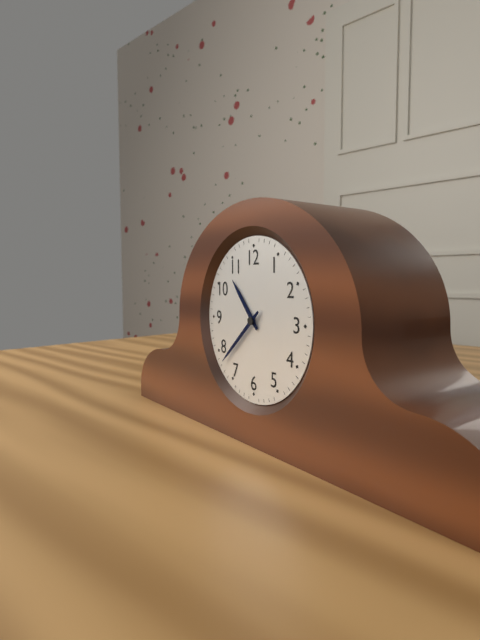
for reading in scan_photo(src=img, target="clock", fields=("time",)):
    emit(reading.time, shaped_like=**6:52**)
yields **10:38**
